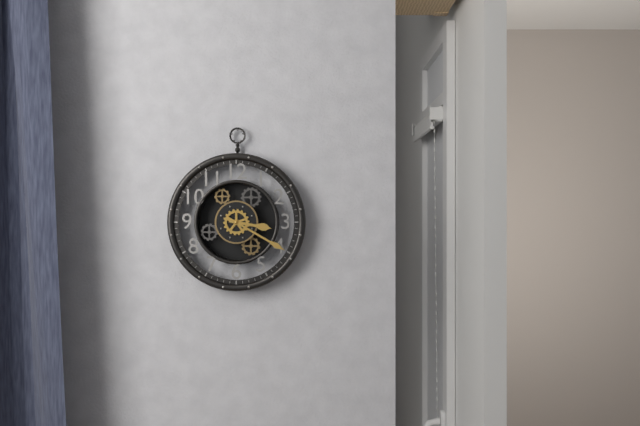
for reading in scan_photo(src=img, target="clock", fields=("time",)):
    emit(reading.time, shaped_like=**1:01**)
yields **3:20**
